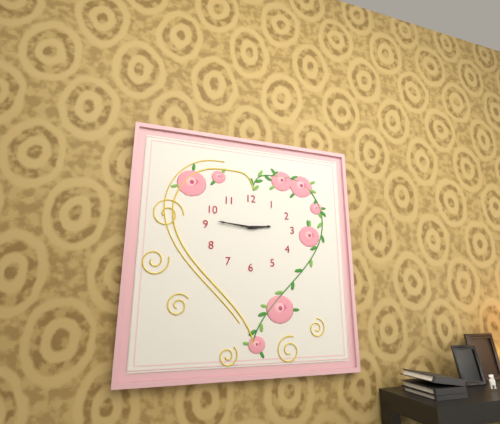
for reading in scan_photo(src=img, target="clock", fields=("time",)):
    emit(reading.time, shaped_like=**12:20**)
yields **2:46**
